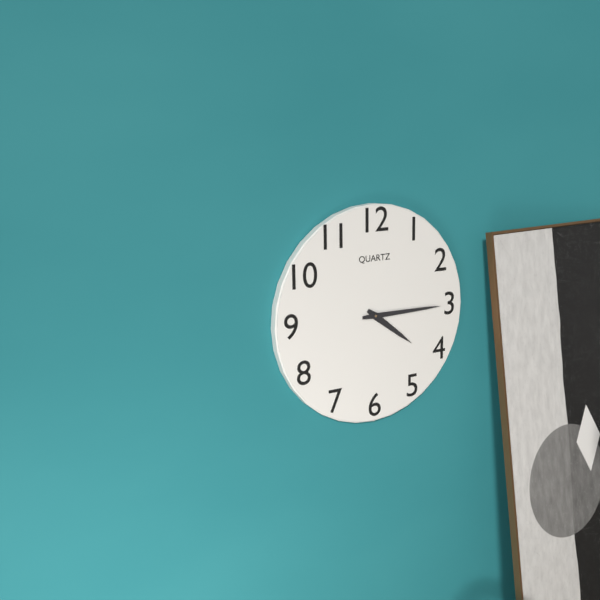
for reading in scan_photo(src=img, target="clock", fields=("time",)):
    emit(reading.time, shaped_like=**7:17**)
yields **4:15**
